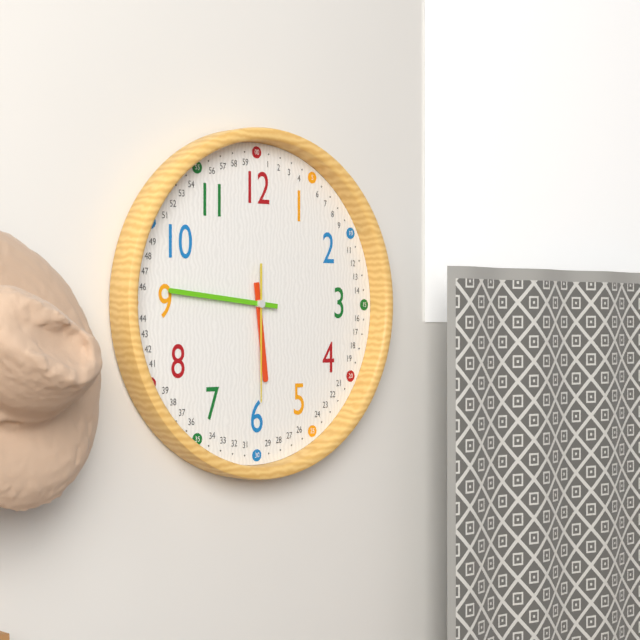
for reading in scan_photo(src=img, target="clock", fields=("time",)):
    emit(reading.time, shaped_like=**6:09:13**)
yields **5:46:30**
